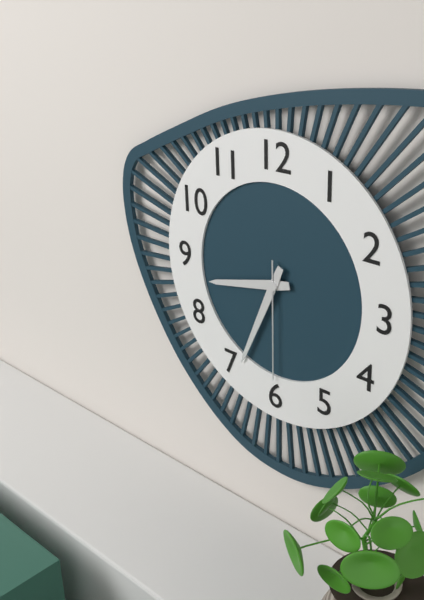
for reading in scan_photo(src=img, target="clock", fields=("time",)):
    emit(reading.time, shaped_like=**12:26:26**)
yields **8:34:30**
